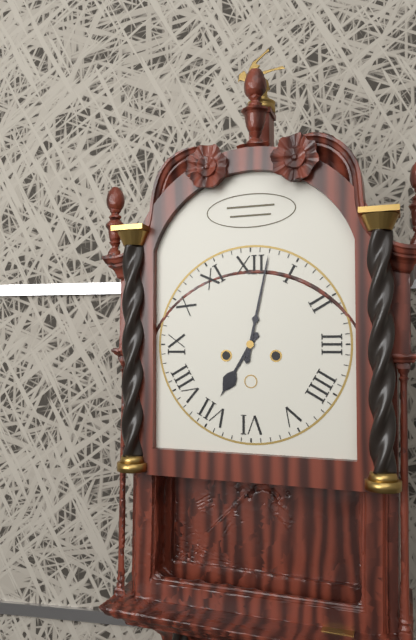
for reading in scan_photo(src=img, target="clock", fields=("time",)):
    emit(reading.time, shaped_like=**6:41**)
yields **7:02**
